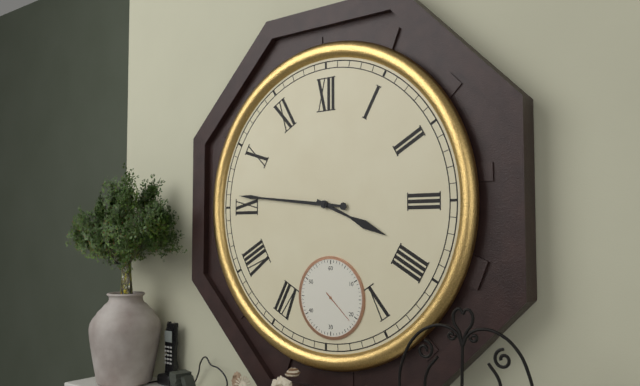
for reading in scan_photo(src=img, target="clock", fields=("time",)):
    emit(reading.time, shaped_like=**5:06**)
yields **3:46**
